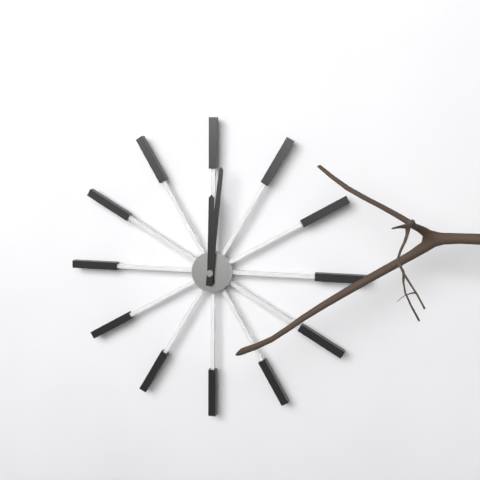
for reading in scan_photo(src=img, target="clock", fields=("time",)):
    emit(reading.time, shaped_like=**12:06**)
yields **12:01**
